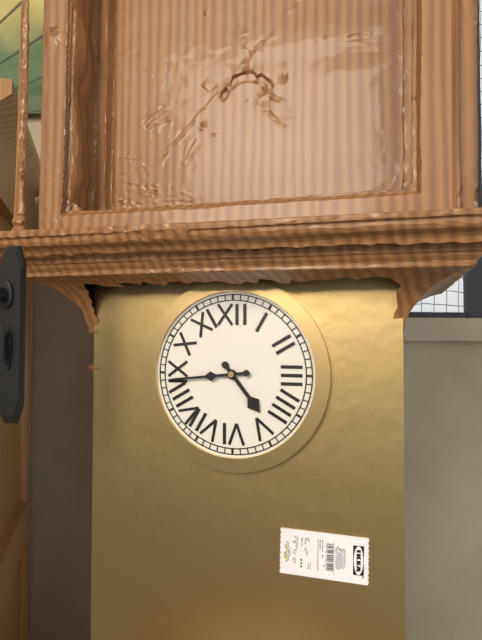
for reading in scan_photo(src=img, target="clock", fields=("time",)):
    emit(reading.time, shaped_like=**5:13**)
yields **4:44**
